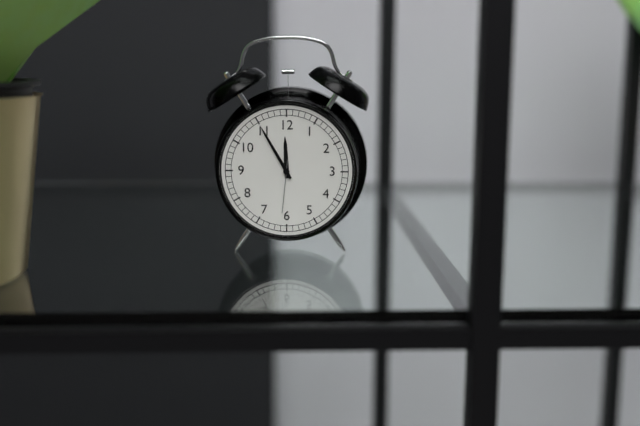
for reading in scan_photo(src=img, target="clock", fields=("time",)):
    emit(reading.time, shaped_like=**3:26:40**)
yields **11:55:31**
